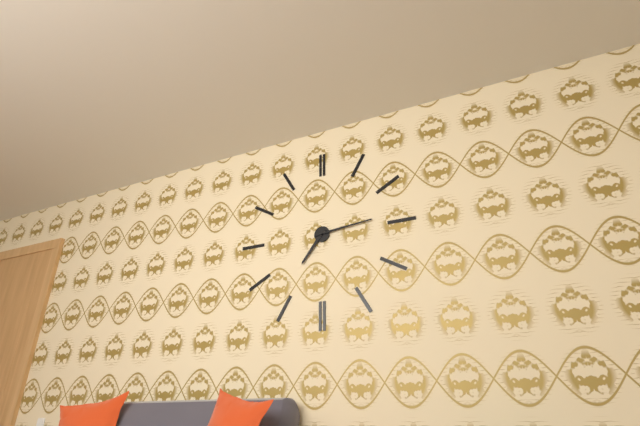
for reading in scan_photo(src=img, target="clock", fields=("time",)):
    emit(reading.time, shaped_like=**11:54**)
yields **7:14**
